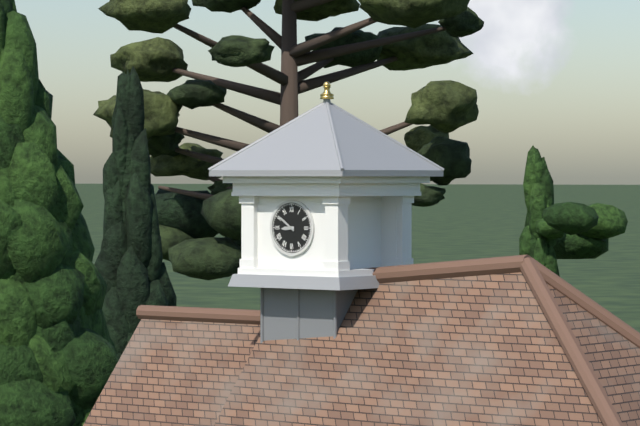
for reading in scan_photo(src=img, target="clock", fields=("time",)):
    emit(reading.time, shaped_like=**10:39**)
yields **8:51**
